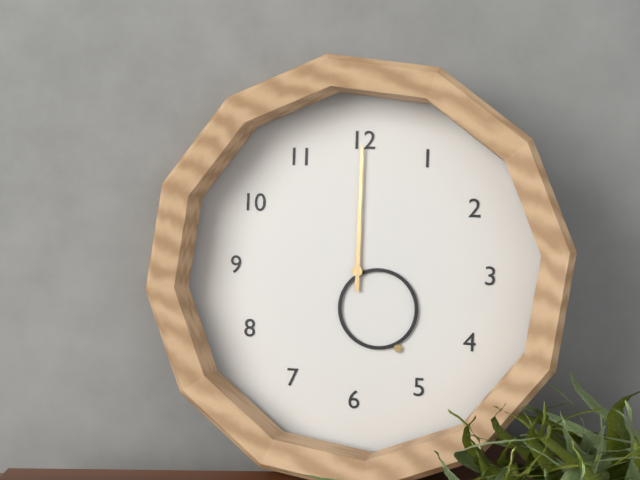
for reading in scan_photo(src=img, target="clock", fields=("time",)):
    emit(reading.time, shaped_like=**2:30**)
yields **5:00**
